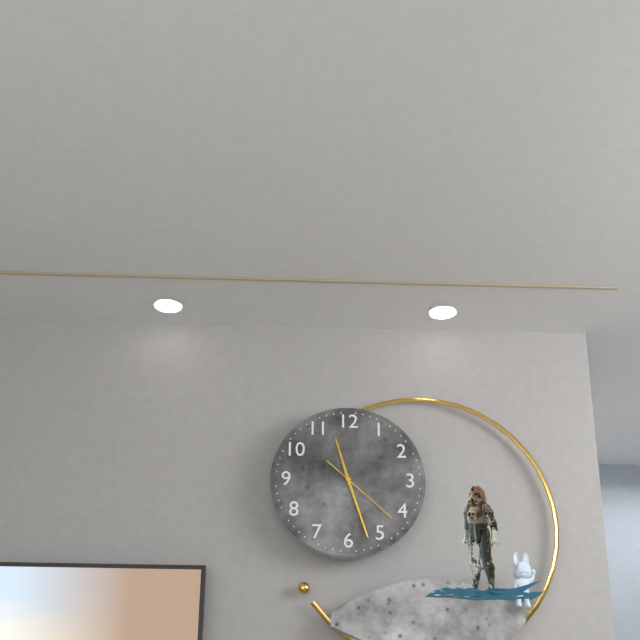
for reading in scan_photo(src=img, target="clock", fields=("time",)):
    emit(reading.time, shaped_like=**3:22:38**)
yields **11:27:22**
